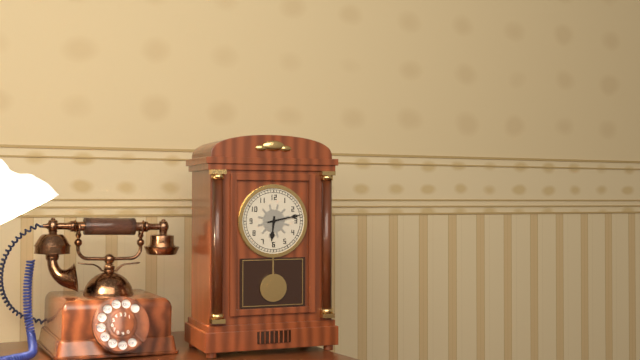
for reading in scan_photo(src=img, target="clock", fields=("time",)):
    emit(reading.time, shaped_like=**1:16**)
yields **6:13**
